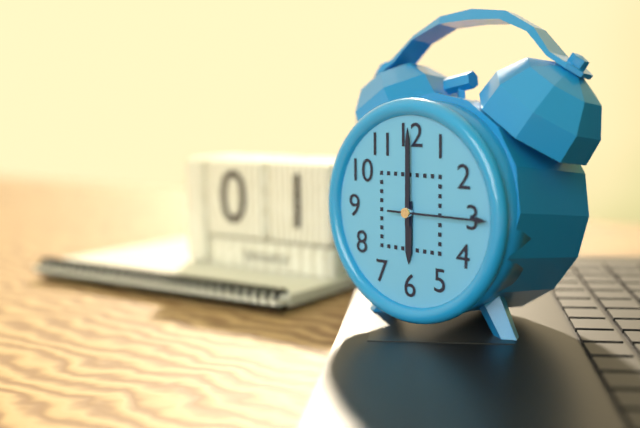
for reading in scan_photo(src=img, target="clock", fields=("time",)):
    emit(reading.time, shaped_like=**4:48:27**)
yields **6:00:15**
